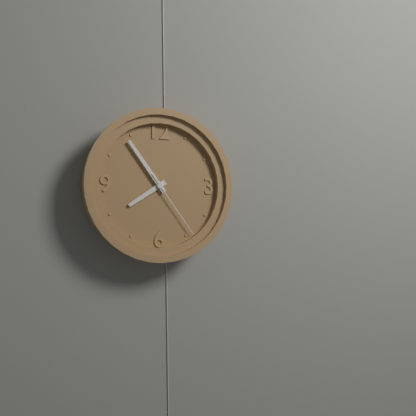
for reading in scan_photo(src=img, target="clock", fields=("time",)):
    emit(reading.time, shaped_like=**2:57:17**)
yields **7:54:24**
